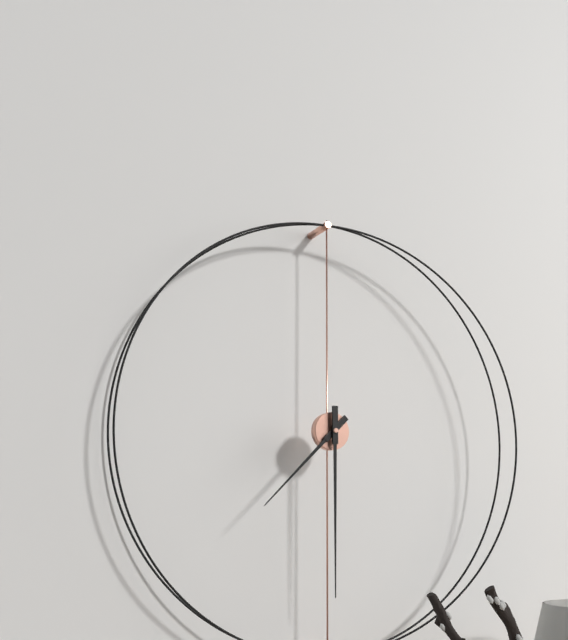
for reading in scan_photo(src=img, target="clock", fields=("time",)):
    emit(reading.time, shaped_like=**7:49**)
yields **7:30**
